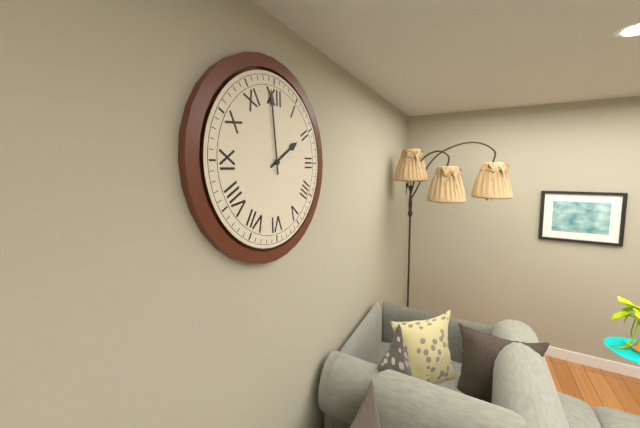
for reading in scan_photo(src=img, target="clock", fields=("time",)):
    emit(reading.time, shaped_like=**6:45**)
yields **1:59**
